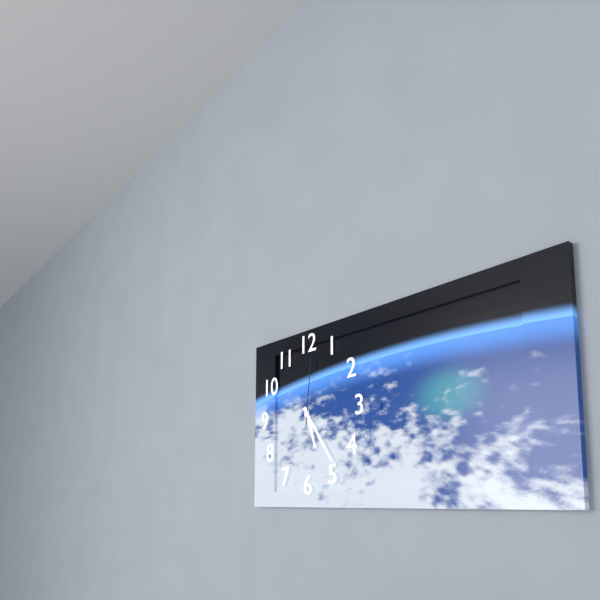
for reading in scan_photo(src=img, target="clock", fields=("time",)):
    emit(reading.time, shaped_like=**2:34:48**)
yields **5:24:01**
